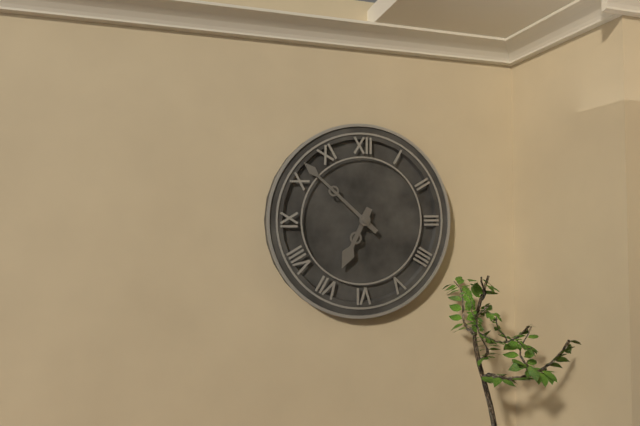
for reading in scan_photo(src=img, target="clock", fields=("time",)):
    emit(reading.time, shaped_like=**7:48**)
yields **6:52**
